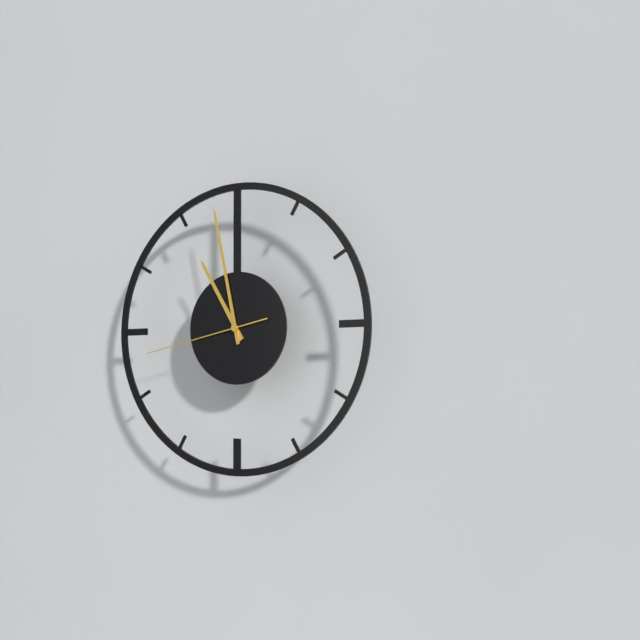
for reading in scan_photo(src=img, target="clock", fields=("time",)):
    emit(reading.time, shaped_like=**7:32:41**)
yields **10:58:43**
